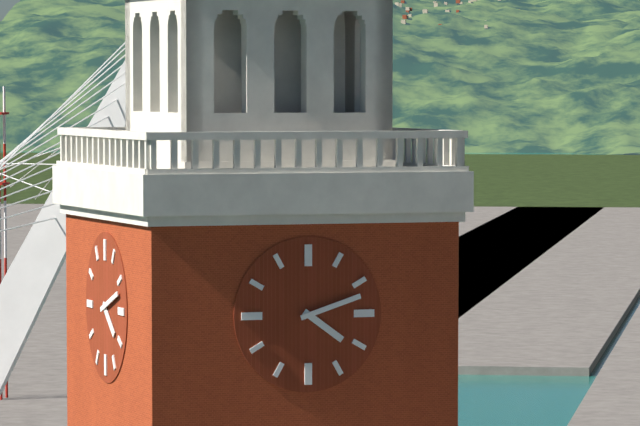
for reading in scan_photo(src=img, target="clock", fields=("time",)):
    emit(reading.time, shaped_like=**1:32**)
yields **4:12**
